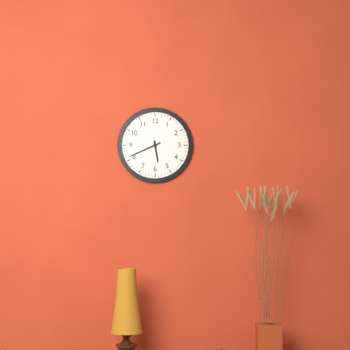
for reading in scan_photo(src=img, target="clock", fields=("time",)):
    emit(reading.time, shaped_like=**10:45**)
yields **5:41**
